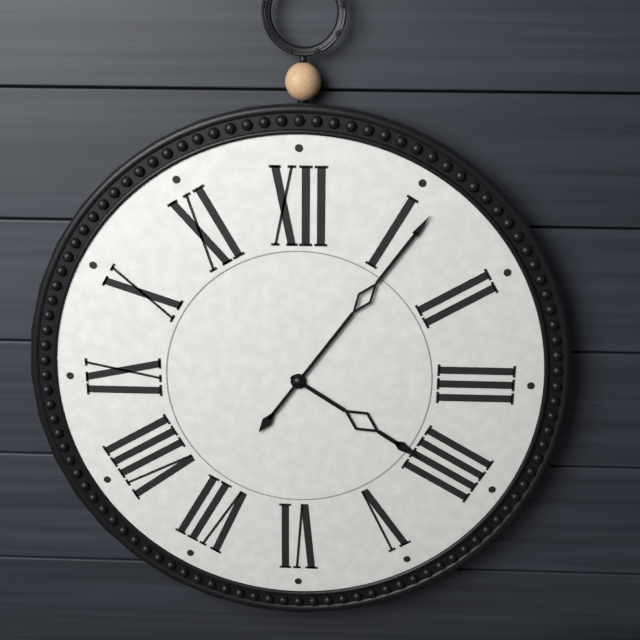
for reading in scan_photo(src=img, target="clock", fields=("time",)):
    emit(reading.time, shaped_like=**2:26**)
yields **4:06**
